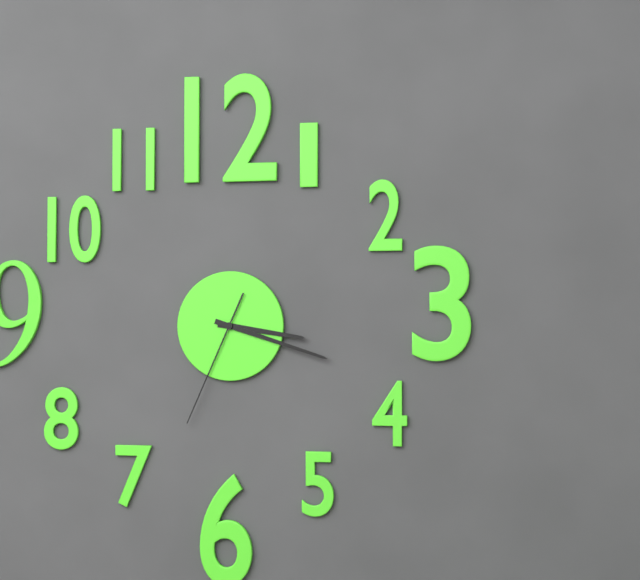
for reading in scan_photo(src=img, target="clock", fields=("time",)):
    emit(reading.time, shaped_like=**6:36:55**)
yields **3:18:34**
